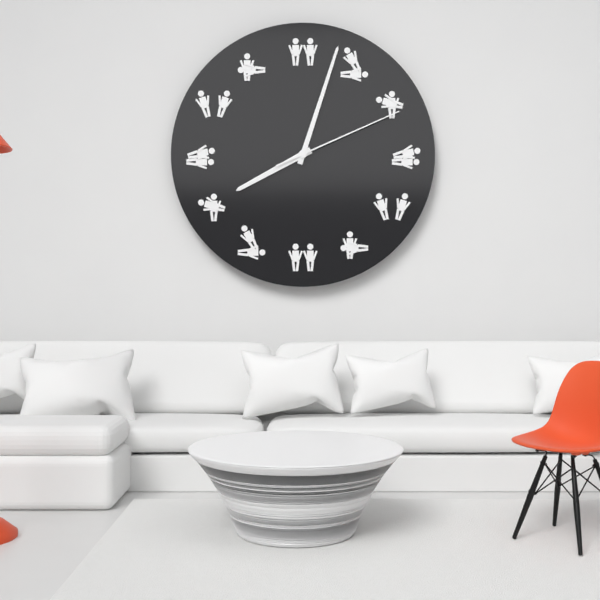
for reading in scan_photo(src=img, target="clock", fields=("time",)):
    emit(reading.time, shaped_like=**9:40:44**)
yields **8:03:11**
